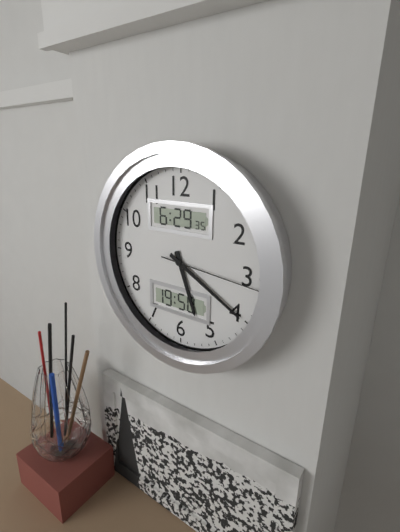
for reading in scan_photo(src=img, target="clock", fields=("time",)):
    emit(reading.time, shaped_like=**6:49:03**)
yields **5:20:16**
